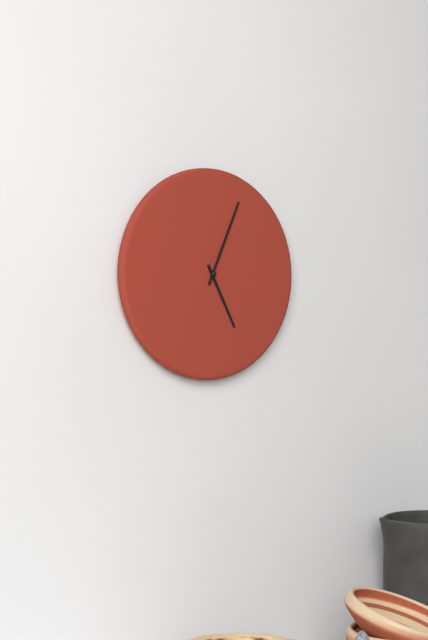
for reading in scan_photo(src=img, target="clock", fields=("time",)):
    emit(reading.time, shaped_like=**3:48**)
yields **5:04**
